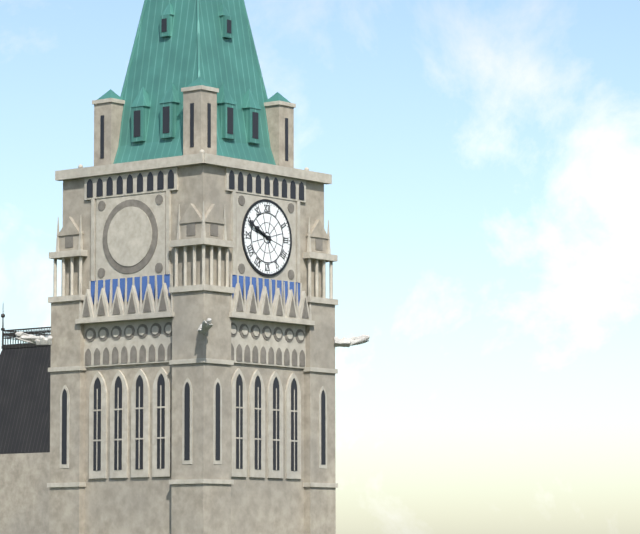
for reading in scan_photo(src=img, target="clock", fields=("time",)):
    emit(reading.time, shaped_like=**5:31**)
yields **9:49**
